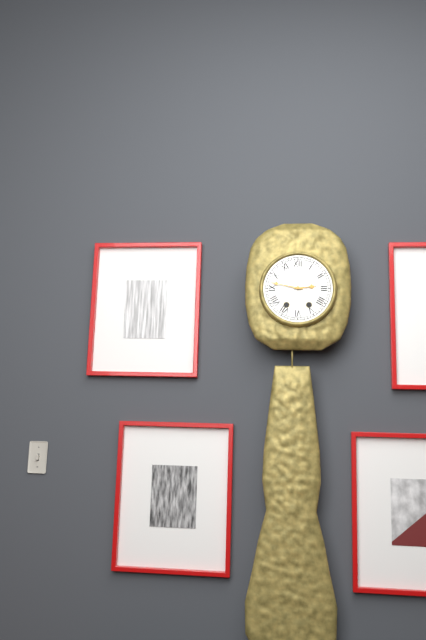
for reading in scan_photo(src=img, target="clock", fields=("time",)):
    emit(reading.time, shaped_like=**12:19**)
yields **2:47**
